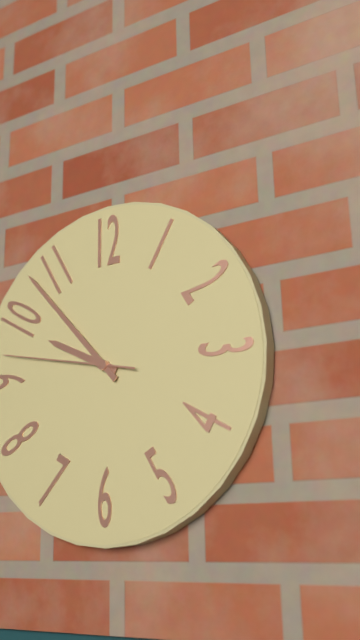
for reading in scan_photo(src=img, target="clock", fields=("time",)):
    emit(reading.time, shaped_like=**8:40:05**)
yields **9:53:47**
